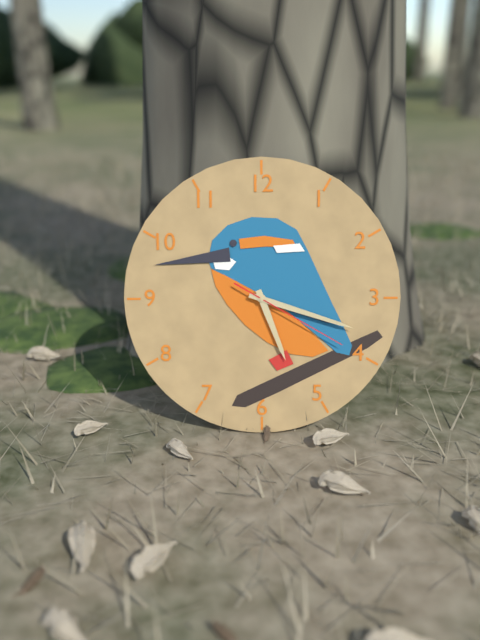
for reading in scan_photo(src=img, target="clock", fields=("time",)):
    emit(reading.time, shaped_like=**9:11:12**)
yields **5:18:20**
